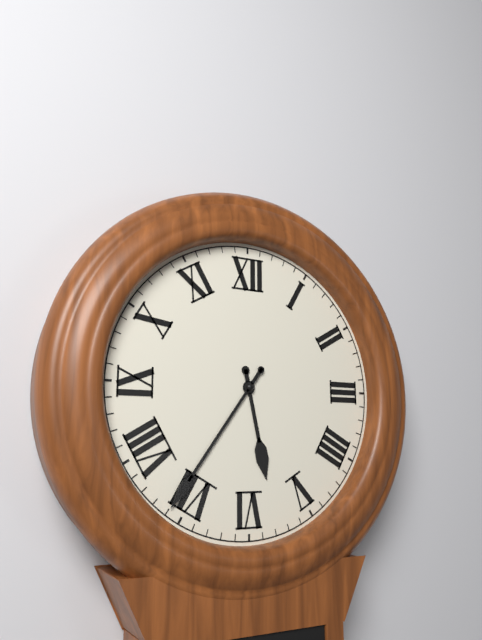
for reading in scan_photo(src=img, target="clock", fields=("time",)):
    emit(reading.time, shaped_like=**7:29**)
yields **5:36**
